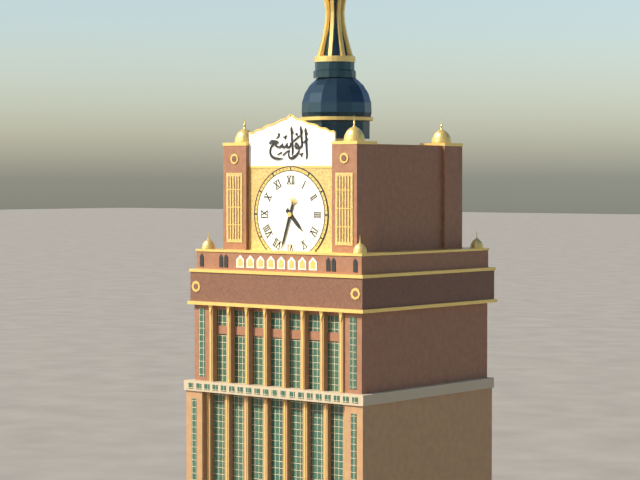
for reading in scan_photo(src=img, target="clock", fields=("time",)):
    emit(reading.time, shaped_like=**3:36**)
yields **4:33**
